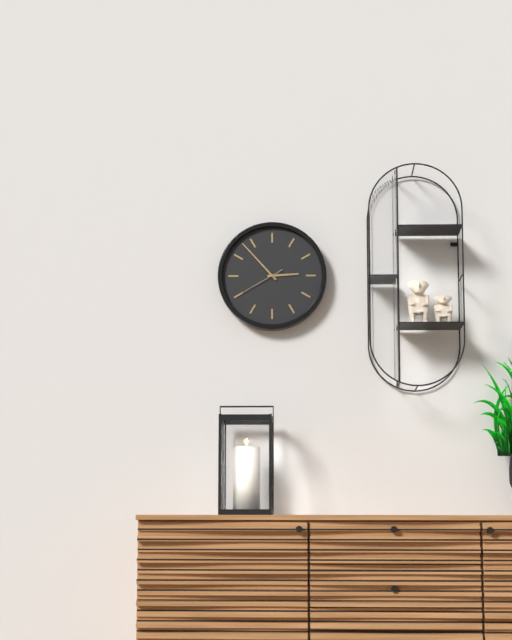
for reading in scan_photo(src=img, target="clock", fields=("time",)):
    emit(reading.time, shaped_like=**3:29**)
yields **2:53**
